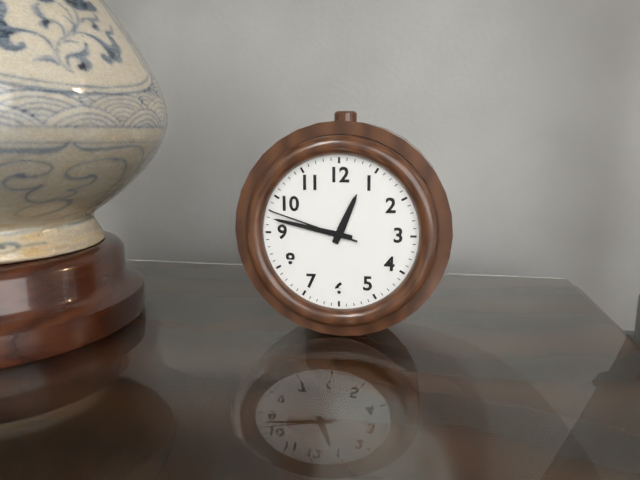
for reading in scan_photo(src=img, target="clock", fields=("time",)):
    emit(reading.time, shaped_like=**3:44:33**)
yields **12:47:48**
